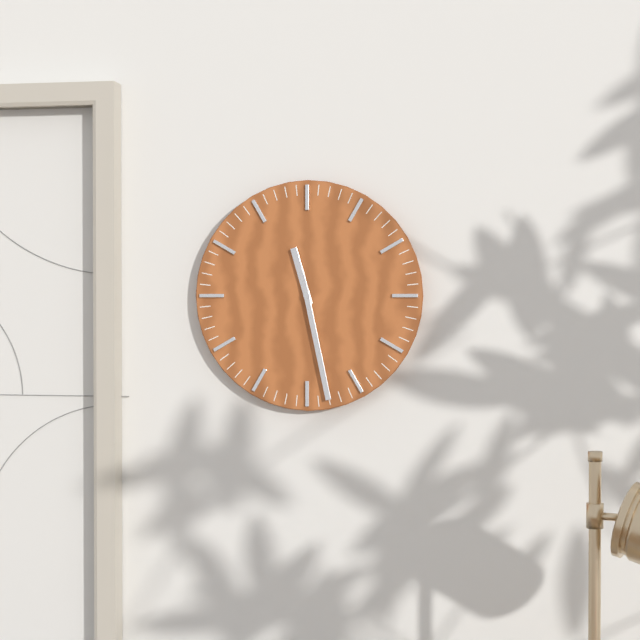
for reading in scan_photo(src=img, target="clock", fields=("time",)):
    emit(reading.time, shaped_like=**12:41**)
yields **11:28**
